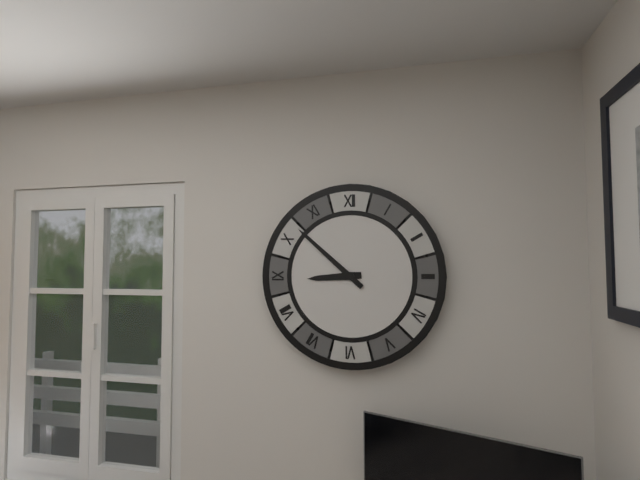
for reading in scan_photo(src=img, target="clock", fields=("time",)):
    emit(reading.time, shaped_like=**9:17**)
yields **8:52**
